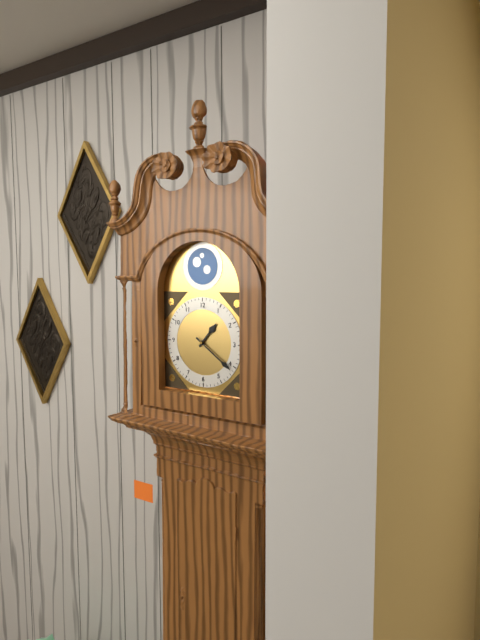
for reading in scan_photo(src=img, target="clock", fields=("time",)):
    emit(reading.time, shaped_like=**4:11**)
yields **1:21**
